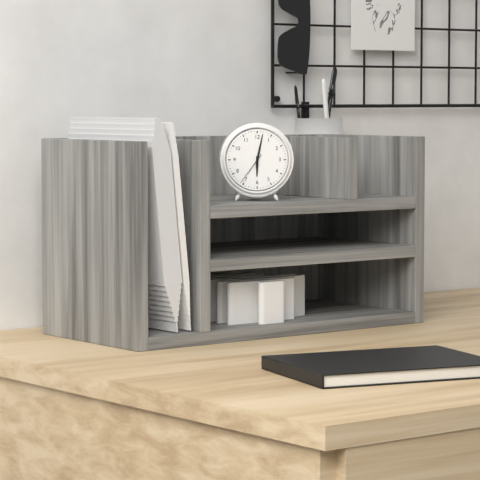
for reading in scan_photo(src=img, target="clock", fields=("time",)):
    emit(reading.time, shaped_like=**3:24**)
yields **6:02**
